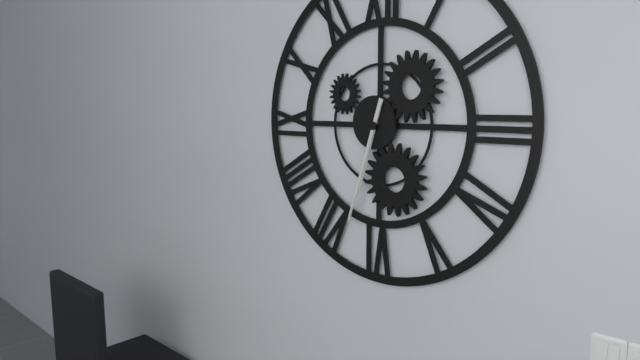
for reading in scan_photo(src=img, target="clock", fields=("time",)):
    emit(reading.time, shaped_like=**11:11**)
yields **6:33**
